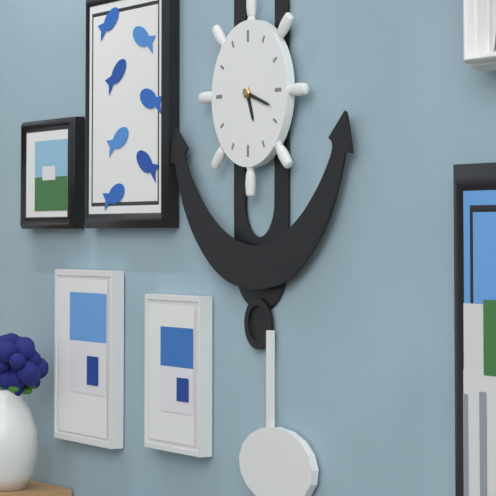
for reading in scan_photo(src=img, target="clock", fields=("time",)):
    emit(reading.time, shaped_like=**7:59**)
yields **5:18**
